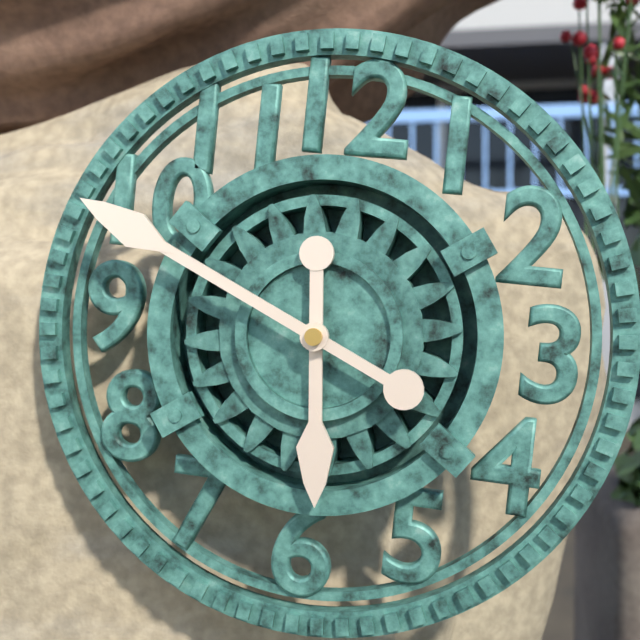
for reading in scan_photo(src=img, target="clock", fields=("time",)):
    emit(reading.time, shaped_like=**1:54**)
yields **5:49**
